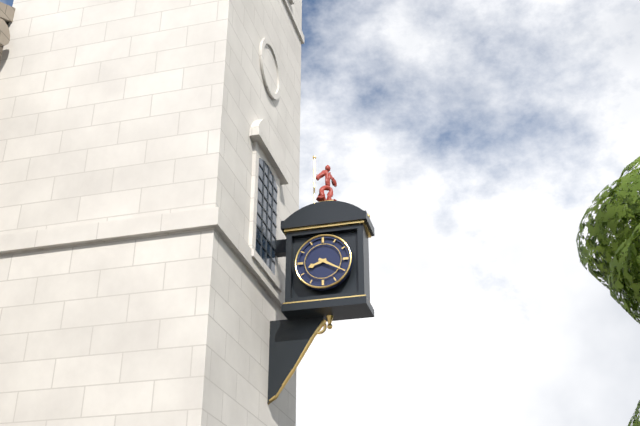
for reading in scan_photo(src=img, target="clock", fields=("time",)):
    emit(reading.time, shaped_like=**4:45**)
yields **8:20**
